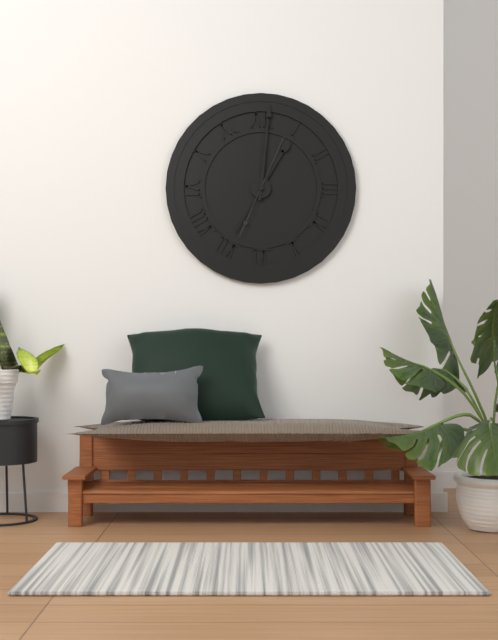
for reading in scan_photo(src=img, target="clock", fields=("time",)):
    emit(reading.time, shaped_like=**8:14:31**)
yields **1:01:04**
